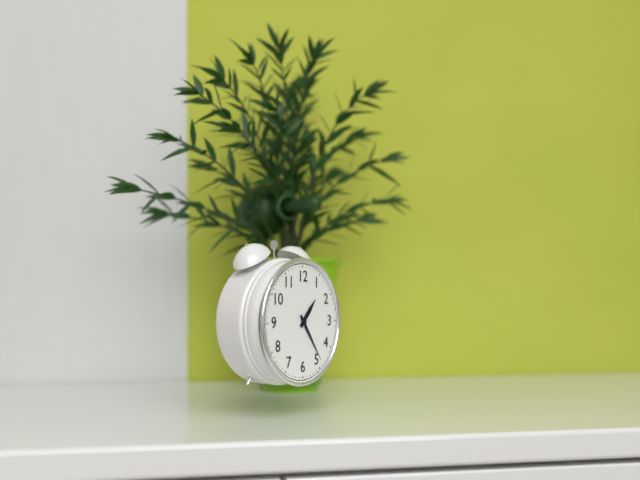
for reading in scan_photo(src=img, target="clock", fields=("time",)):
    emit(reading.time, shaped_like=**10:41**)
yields **1:24**
